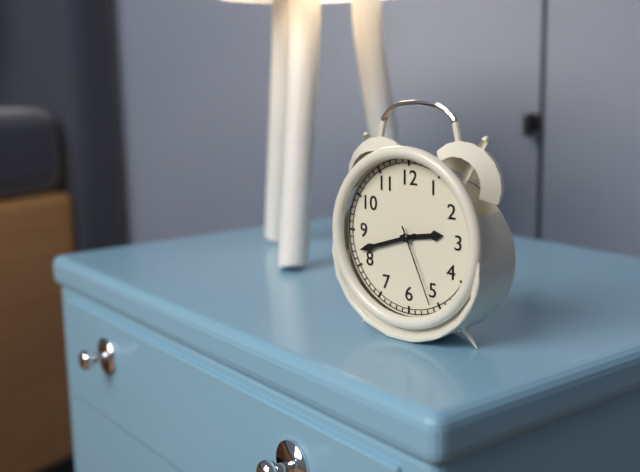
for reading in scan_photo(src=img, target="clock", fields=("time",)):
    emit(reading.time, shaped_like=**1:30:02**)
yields **2:42:26**
